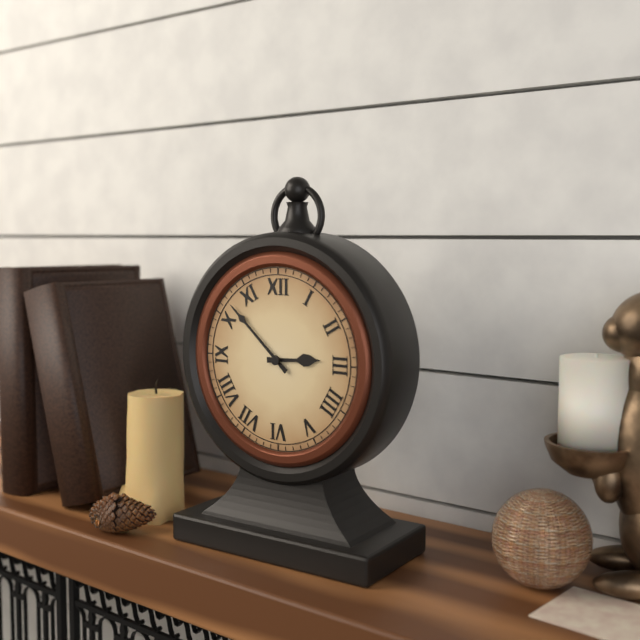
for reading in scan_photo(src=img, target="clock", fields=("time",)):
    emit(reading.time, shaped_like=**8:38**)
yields **2:52**
